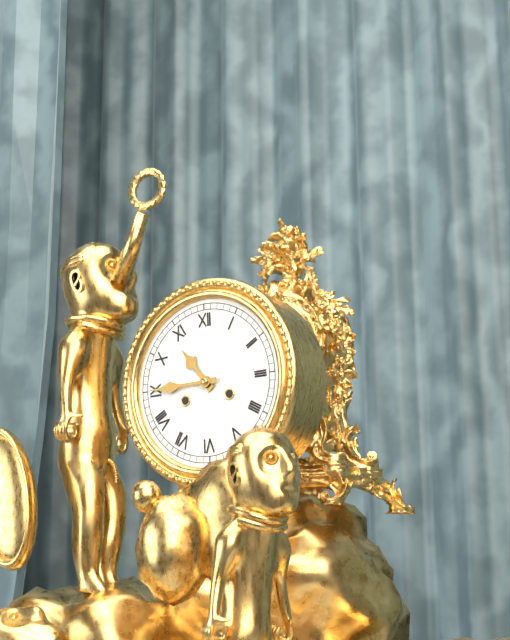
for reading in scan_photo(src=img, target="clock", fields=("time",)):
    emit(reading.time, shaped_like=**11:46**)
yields **10:45**
